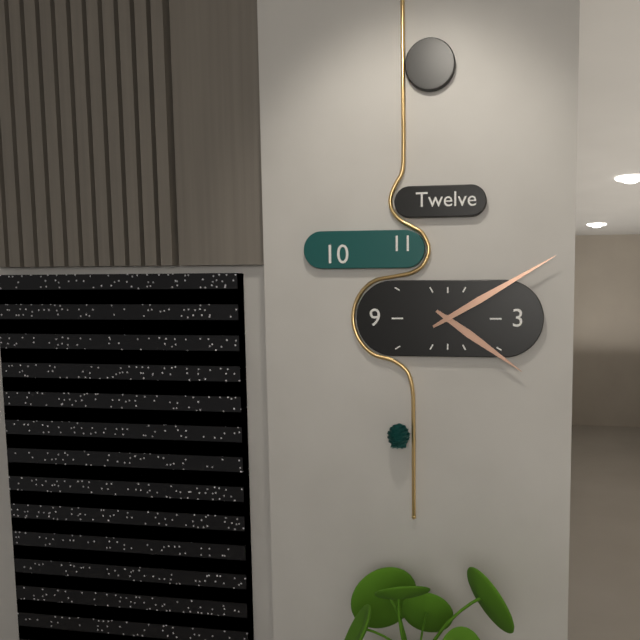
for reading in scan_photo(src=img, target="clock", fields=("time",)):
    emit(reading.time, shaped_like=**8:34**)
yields **4:10**
